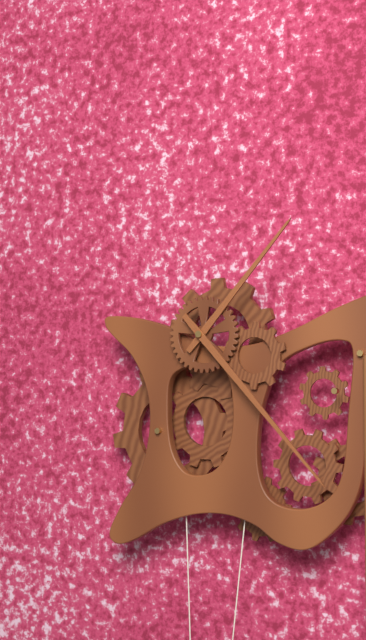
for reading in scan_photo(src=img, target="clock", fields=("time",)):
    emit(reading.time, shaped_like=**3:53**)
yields **1:23**
